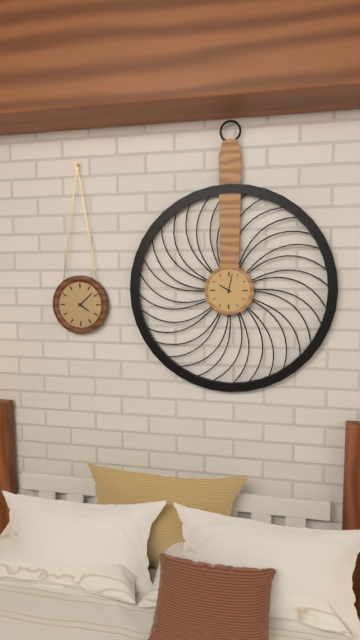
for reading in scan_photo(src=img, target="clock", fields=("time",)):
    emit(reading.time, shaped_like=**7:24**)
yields **10:02**
